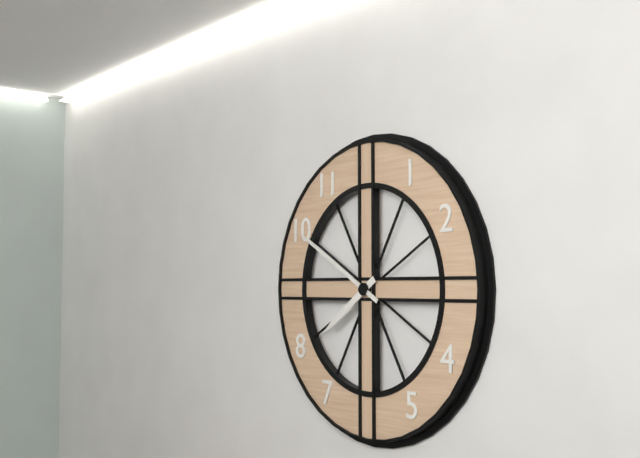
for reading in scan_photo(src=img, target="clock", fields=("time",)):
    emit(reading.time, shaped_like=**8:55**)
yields **7:50**
